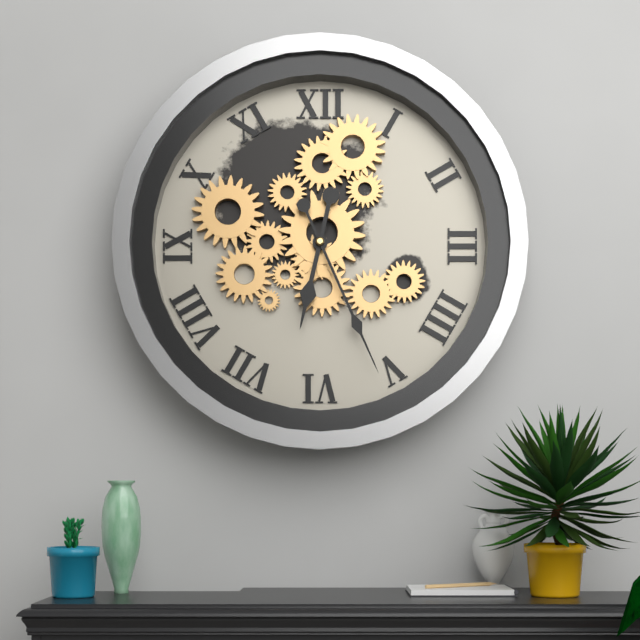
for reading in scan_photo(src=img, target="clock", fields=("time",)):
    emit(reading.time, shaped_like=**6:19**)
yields **6:26**
